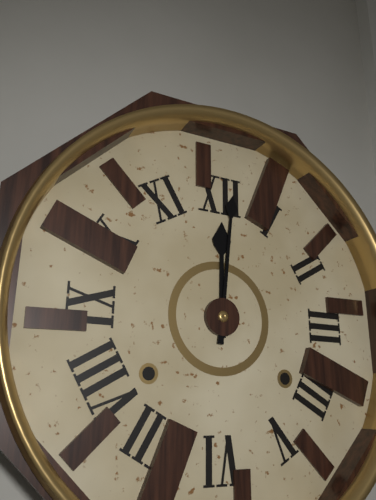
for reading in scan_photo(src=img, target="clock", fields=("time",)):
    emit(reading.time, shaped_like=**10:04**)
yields **12:01**
